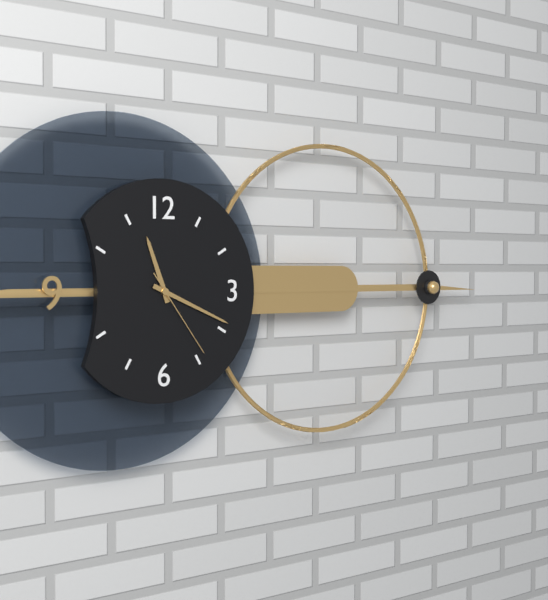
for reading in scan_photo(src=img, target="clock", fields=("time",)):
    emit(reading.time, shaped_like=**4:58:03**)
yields **11:19:24**
